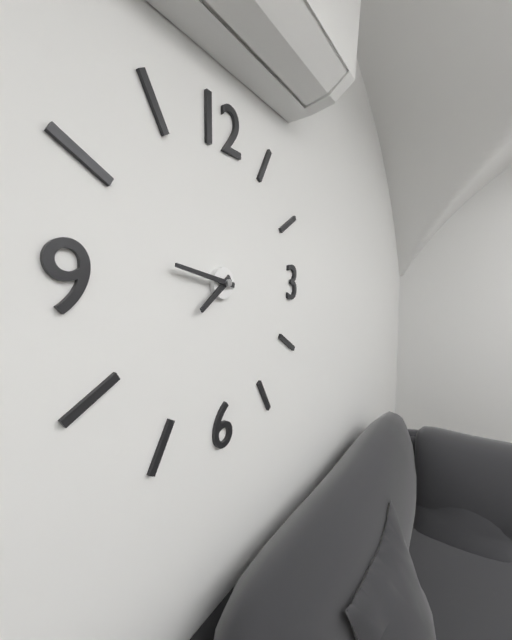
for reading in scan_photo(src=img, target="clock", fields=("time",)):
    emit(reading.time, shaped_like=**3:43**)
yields **7:47**
